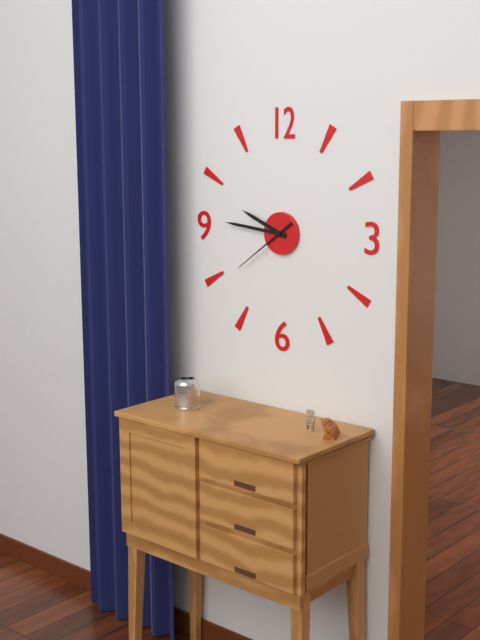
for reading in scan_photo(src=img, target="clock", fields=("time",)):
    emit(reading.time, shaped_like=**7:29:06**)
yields **9:46:39**
